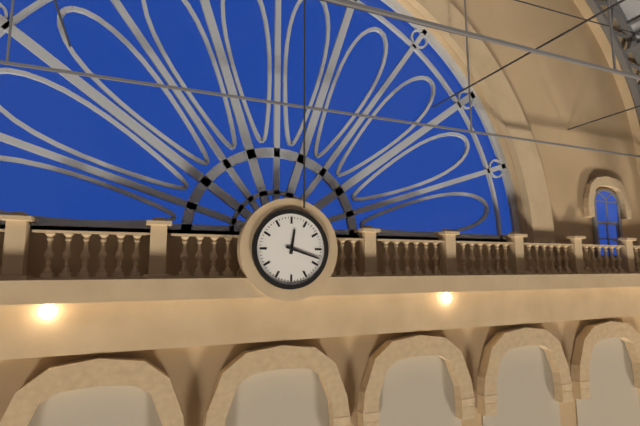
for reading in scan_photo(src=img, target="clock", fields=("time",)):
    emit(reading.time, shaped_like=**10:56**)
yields **12:18**
